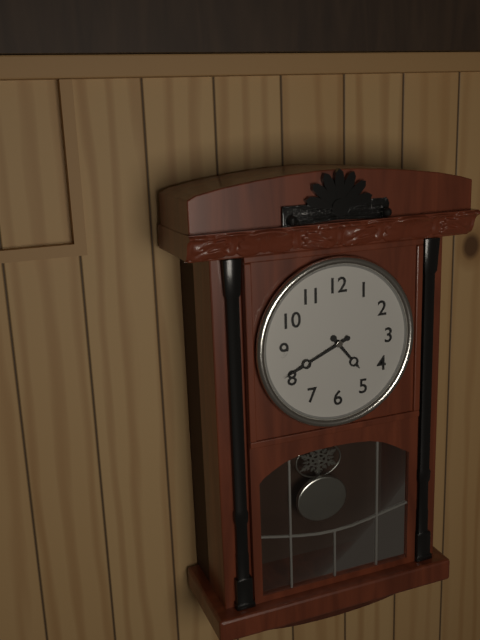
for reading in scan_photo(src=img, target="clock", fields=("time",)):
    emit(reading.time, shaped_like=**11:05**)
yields **4:41**
